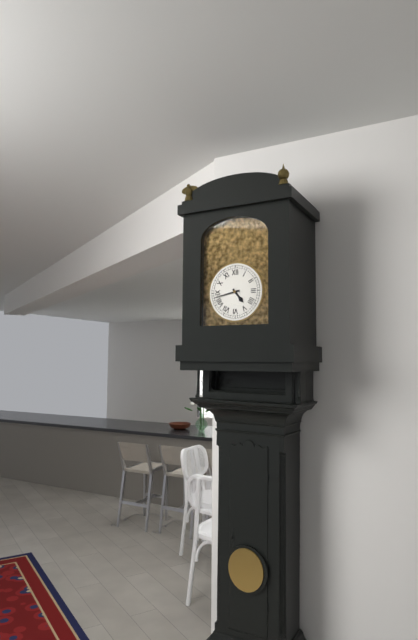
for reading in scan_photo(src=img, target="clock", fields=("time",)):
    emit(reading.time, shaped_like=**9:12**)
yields **4:43**
